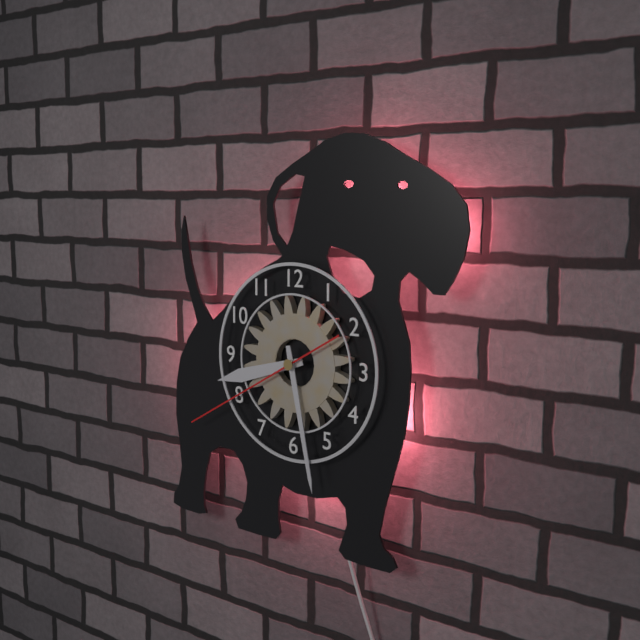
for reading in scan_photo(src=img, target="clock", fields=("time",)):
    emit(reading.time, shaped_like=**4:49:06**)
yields **8:28:40**
